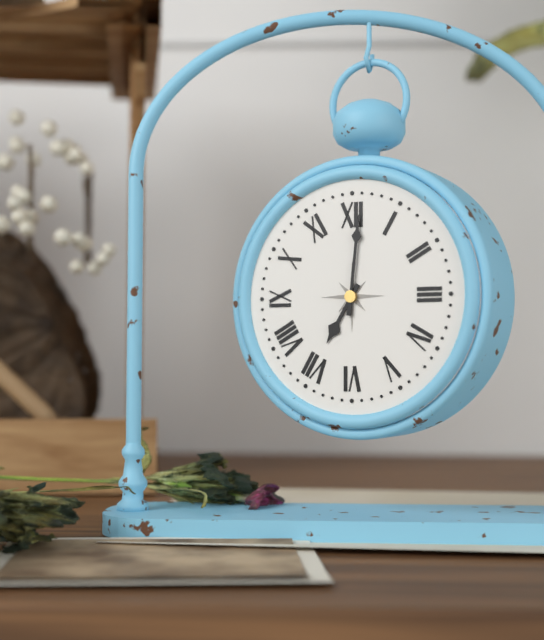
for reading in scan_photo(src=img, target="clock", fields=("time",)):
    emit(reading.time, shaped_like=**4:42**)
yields **7:01**
